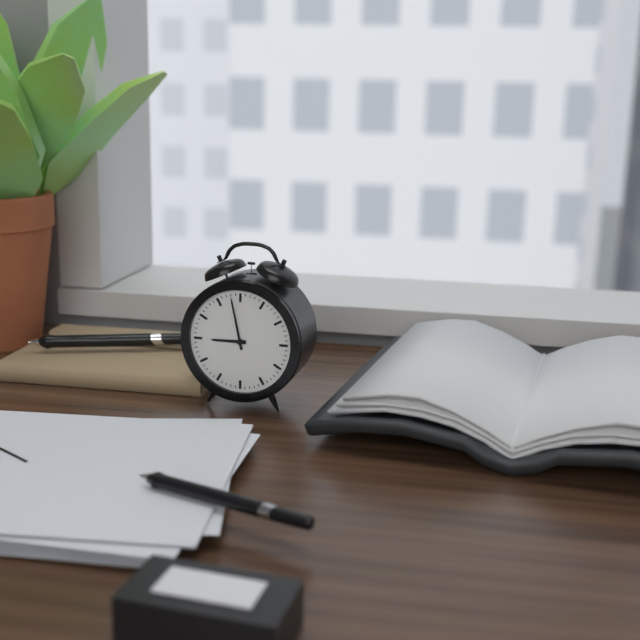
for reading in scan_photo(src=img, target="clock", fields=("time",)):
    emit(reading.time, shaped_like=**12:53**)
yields **8:58**
